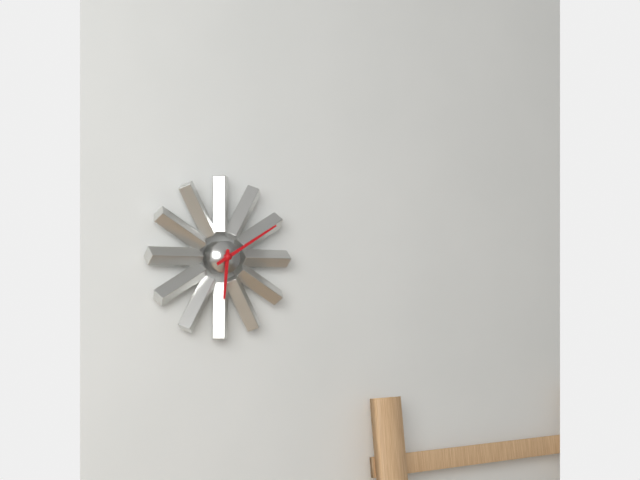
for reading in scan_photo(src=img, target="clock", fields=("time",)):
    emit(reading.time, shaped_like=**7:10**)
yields **6:10**
